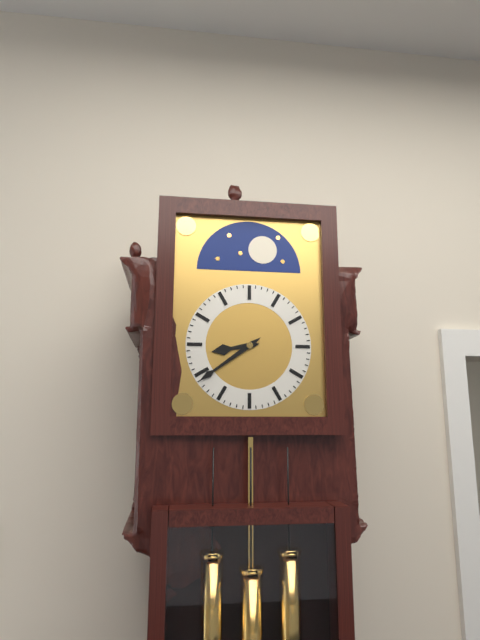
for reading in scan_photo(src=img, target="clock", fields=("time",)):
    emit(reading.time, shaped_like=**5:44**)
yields **8:39**
